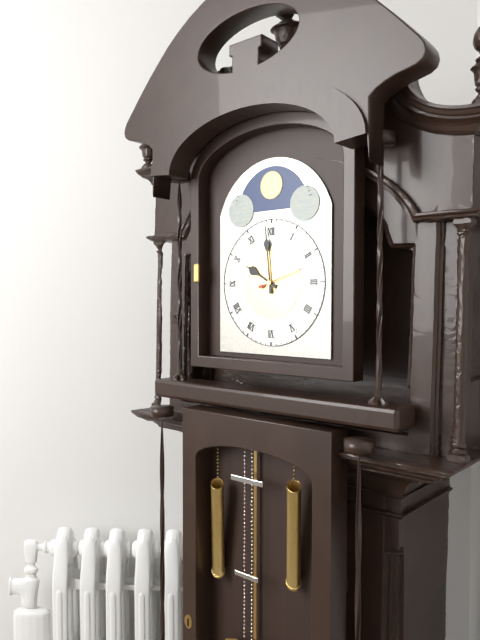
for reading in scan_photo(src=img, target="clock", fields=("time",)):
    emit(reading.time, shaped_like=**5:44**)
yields **9:59**
